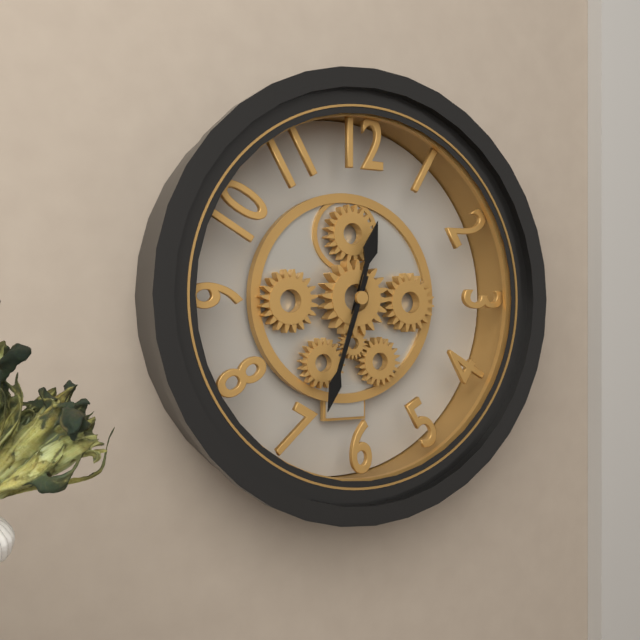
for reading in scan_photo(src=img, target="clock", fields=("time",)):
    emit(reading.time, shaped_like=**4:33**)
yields **12:33**
